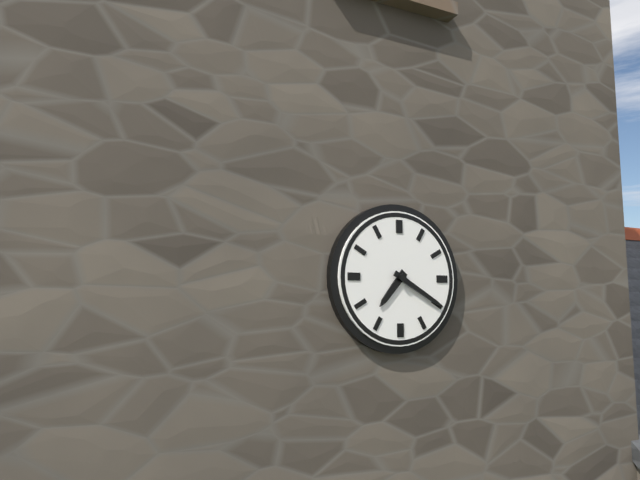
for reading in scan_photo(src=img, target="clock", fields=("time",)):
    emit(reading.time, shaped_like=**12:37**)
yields **7:20**
